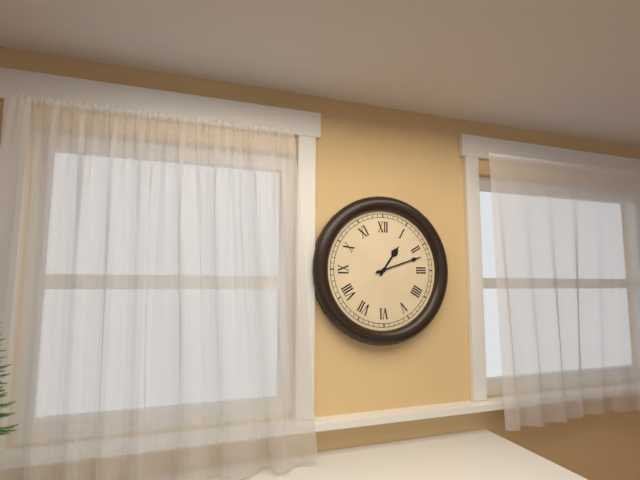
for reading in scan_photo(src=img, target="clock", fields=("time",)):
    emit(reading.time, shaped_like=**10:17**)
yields **1:12**
